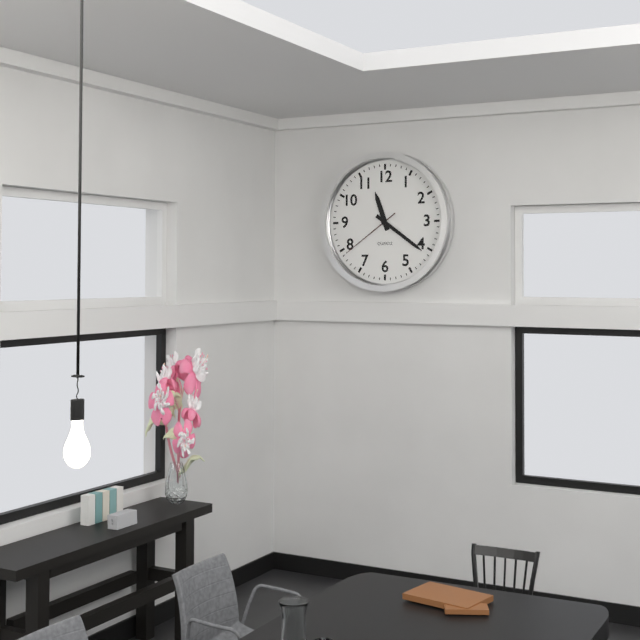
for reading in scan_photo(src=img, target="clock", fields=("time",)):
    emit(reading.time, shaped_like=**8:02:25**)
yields **11:21:39**
